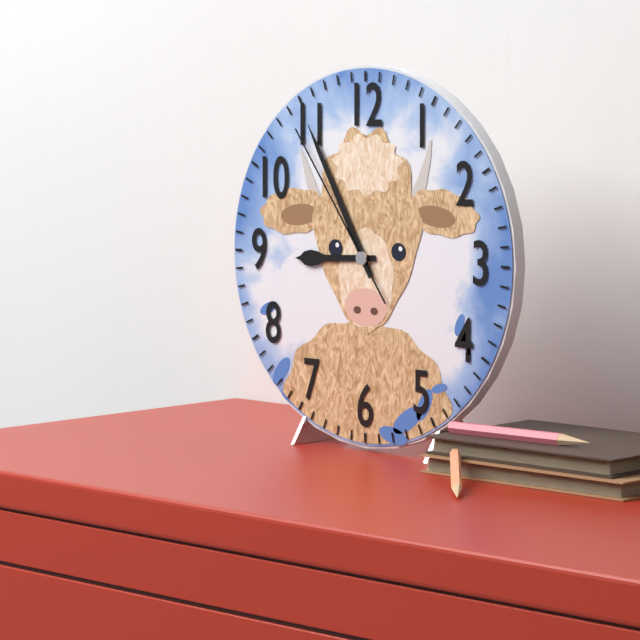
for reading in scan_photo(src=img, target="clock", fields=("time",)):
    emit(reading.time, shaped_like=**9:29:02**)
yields **8:55:54**
